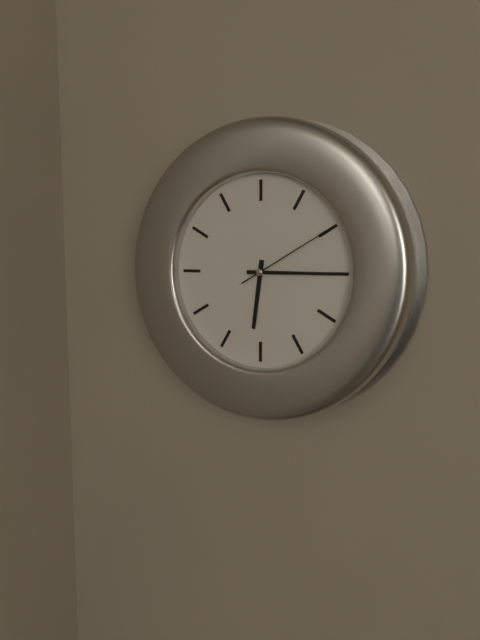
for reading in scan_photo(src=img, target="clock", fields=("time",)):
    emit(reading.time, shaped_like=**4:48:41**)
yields **6:15:10**
